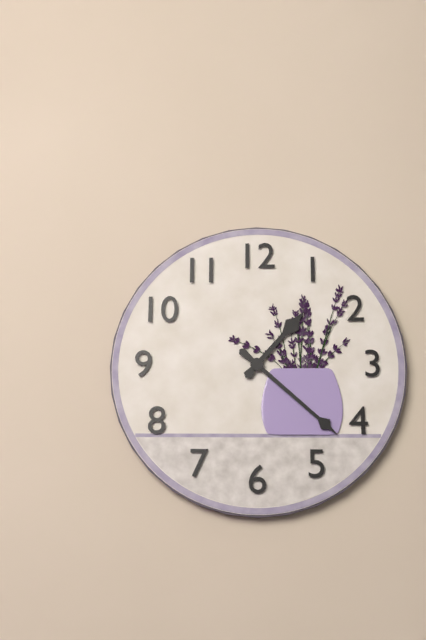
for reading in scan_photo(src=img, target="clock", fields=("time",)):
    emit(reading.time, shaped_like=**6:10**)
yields **1:22**
